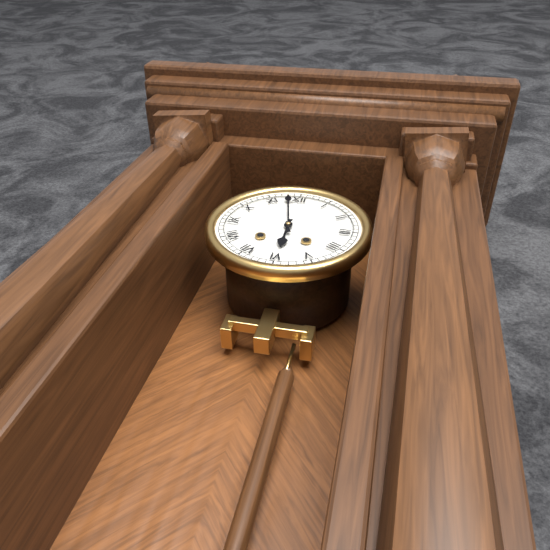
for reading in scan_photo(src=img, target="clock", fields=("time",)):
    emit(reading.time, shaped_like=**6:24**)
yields **5:58**
